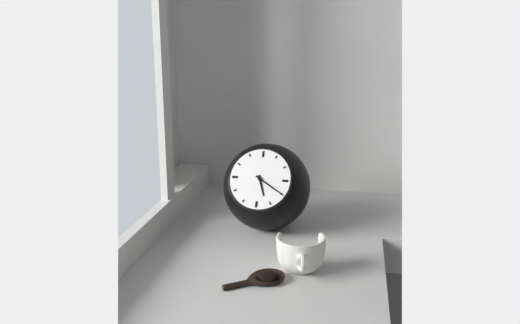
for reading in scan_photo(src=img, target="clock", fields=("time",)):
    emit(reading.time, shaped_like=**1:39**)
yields **5:20**
